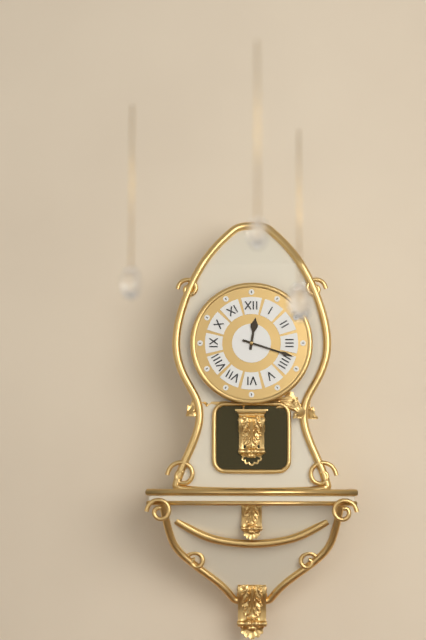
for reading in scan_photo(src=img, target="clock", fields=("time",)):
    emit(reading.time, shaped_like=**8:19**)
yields **12:18**
